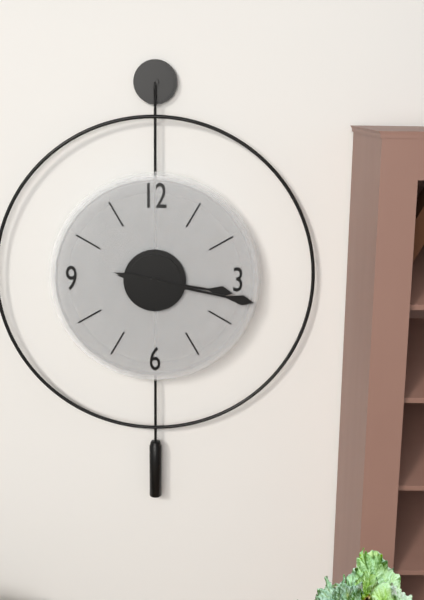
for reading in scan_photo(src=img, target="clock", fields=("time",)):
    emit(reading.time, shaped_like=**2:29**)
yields **3:17**
